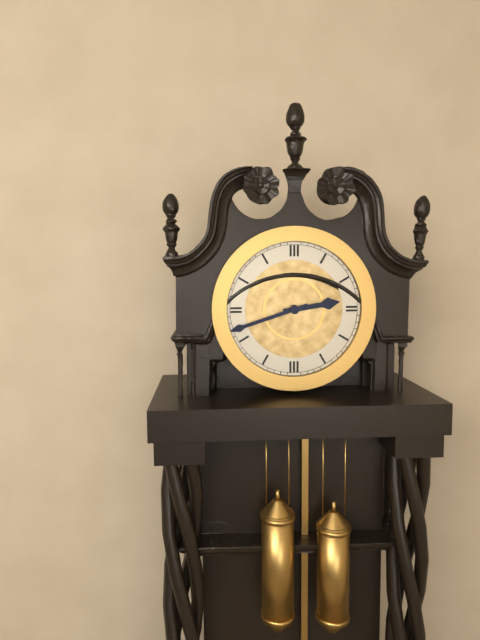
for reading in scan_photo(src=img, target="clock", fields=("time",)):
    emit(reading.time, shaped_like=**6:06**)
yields **2:42**
